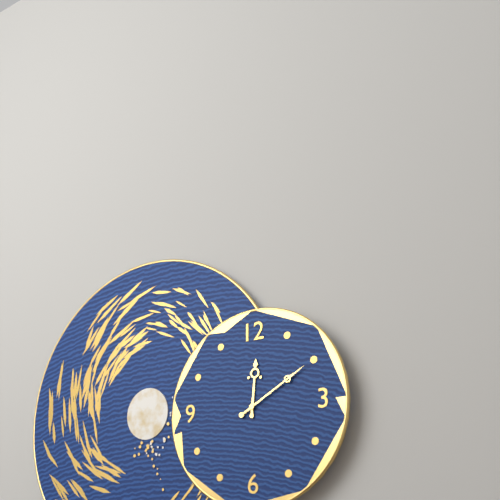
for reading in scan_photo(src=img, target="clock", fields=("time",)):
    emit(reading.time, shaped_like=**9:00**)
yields **12:10**
